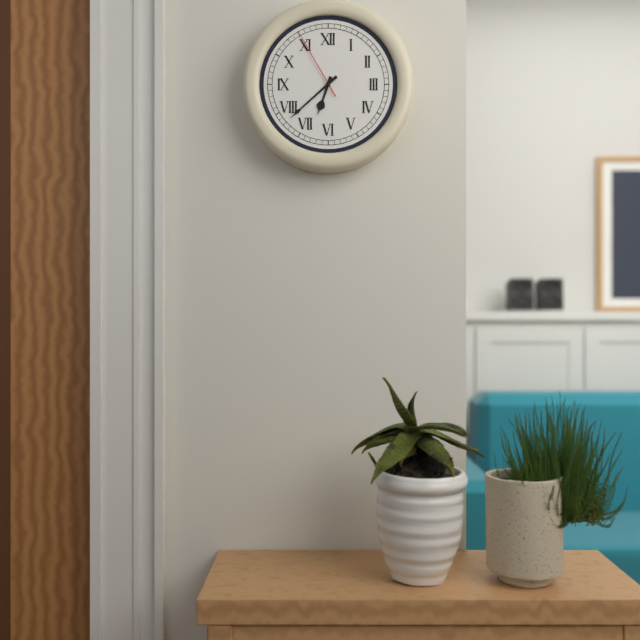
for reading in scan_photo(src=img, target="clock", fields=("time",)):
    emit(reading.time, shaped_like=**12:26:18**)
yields **6:38:55**
